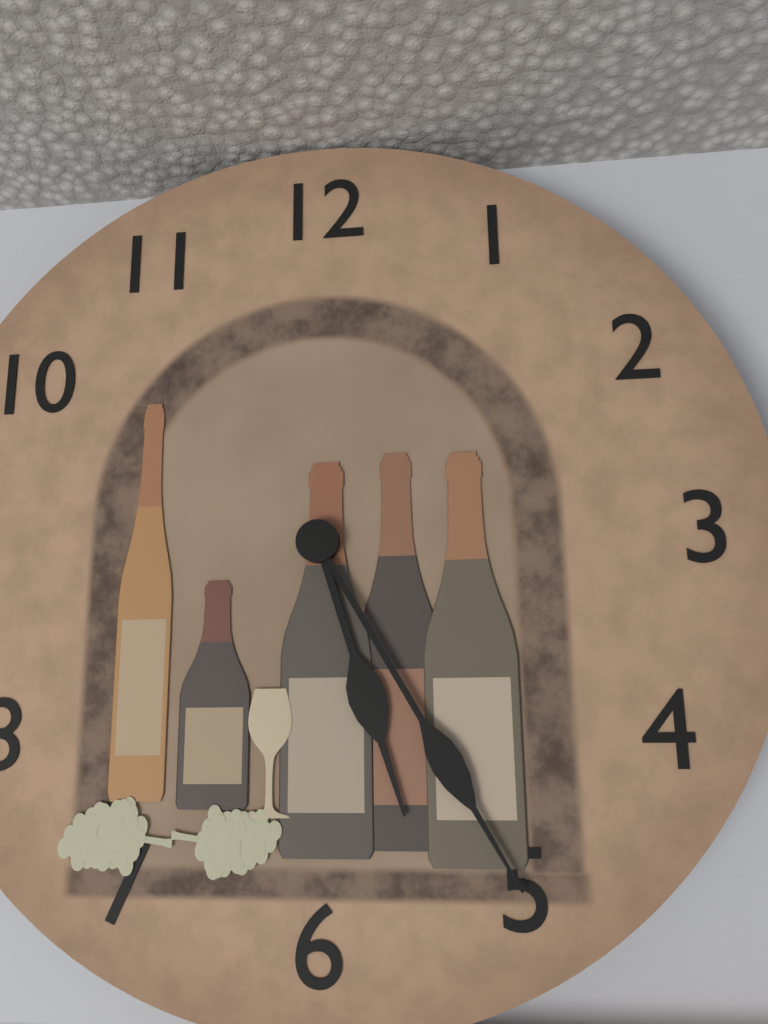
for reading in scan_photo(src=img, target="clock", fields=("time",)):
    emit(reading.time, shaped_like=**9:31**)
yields **5:25**
